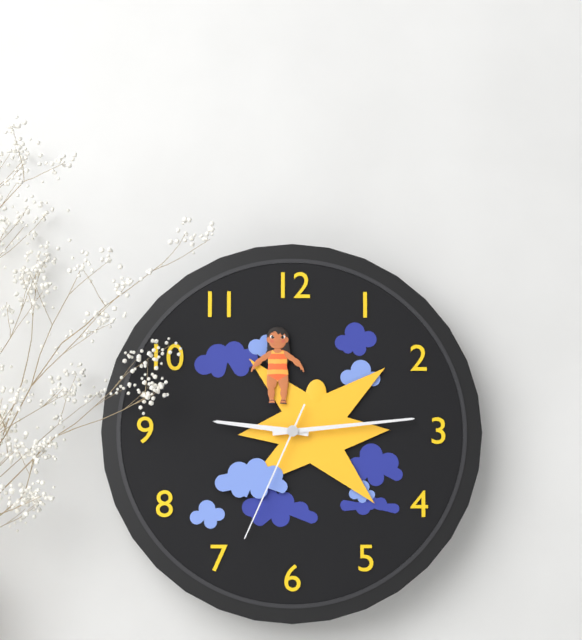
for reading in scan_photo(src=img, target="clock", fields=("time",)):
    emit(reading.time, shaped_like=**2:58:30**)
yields **9:14:34**
